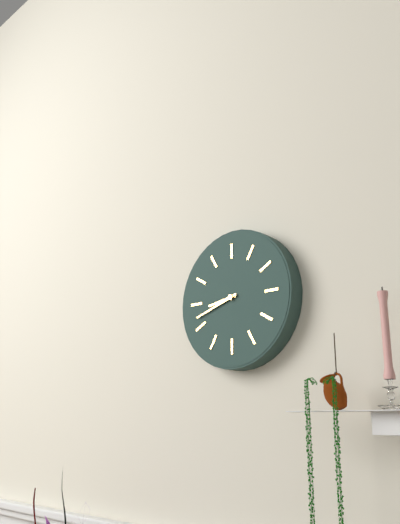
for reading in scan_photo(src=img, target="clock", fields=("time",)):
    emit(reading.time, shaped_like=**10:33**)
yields **8:42**
